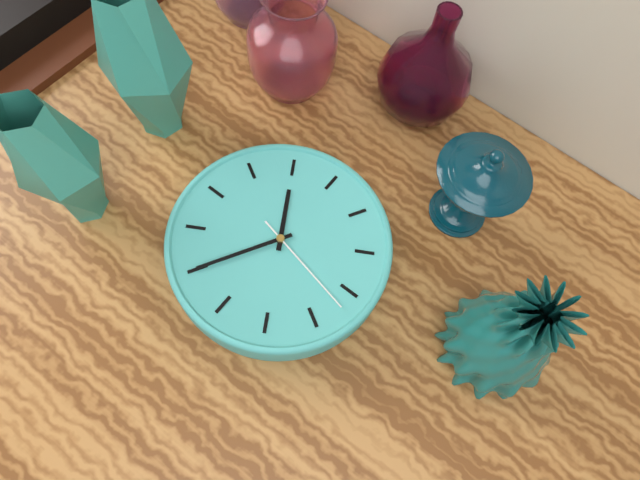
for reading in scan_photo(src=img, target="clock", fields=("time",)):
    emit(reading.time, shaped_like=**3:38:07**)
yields **4:00:42**
